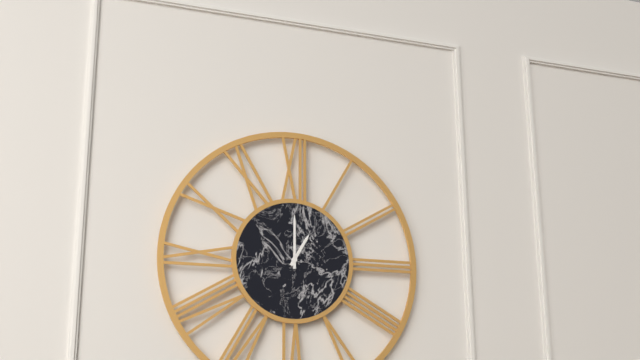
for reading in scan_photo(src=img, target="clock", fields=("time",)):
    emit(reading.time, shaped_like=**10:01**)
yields **1:00**
